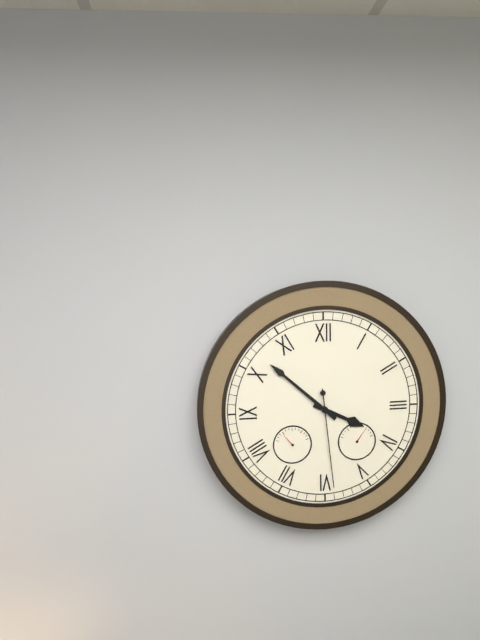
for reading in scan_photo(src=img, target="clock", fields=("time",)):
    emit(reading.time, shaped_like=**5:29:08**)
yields **3:52:29**
